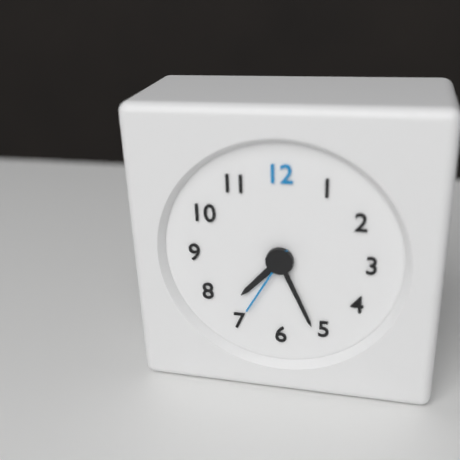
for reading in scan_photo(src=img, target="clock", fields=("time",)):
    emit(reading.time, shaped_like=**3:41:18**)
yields **7:26:35**
